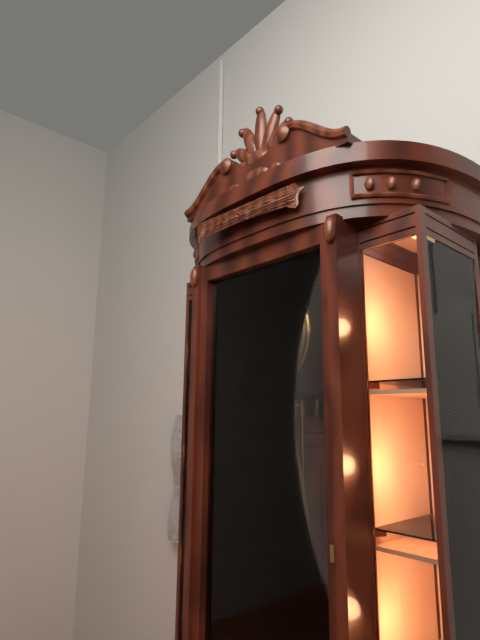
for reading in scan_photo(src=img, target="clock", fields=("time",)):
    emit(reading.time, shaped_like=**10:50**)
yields **12:31**
